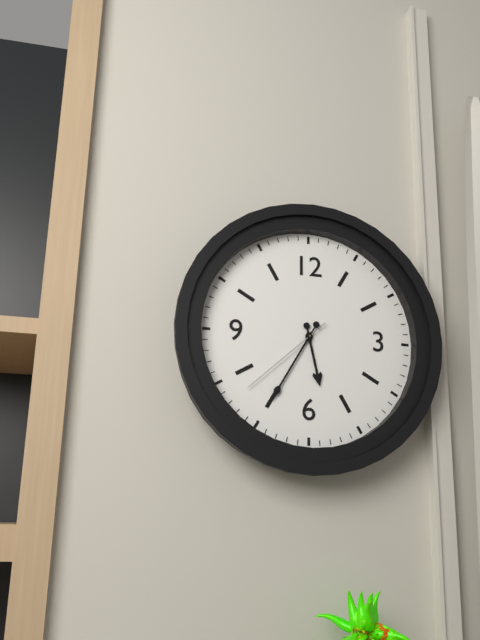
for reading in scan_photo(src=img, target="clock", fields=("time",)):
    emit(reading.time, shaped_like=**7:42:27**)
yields **5:35:38**
